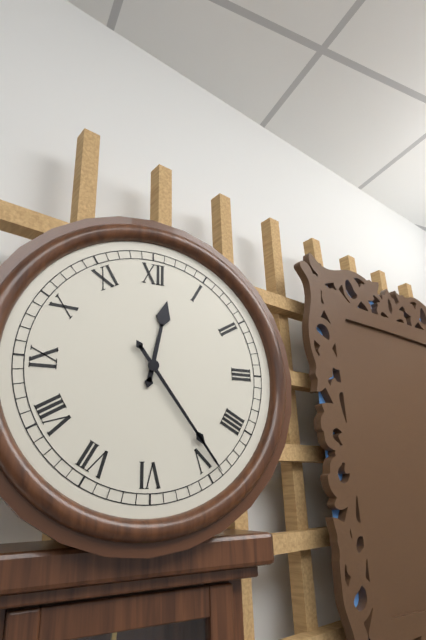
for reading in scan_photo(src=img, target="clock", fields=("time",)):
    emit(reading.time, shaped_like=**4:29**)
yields **12:24**
